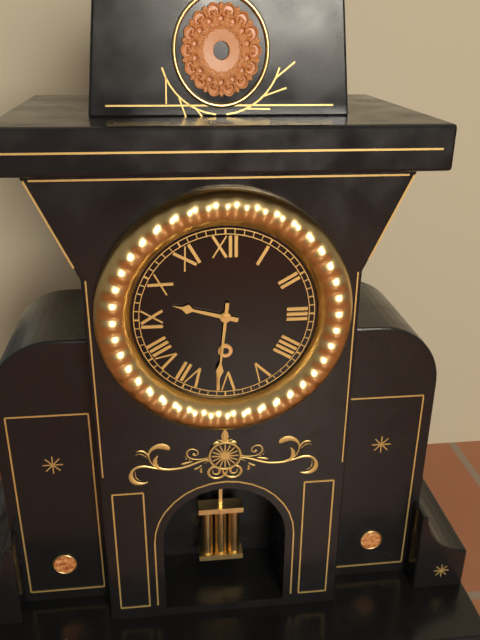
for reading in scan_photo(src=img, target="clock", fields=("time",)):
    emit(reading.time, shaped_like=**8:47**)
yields **9:31**
